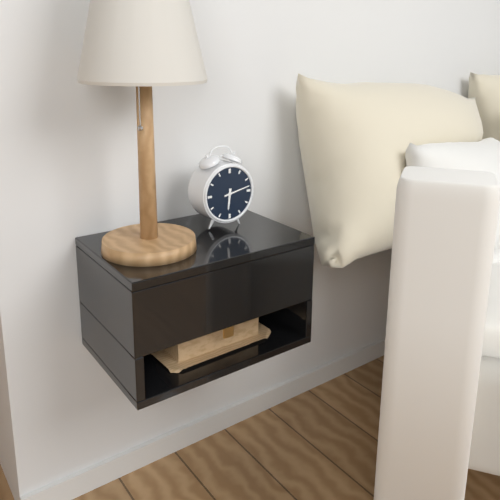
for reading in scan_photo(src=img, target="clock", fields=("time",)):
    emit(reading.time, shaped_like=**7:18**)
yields **6:13**
